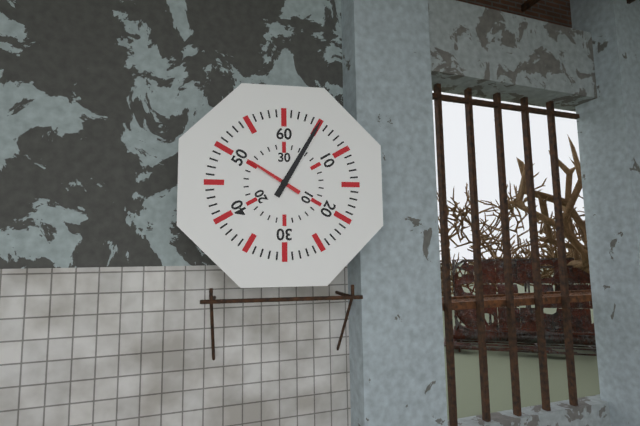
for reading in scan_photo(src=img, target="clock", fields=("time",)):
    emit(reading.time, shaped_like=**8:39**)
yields **10:05**
